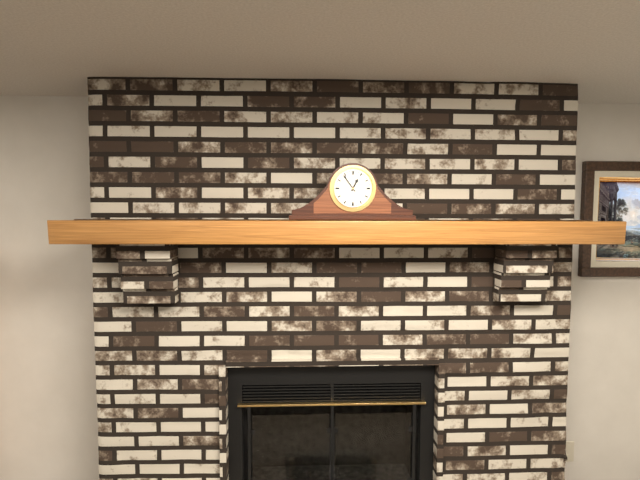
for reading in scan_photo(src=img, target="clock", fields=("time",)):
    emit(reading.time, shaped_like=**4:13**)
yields **12:54**
